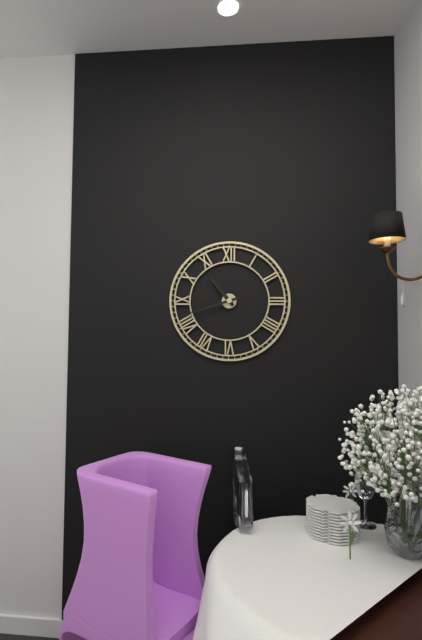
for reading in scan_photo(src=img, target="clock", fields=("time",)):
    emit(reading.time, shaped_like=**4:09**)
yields **10:42**
